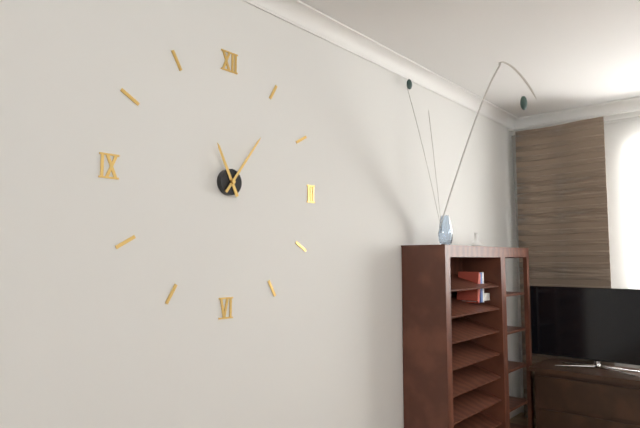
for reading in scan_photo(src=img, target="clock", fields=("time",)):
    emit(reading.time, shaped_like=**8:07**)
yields **11:06**
